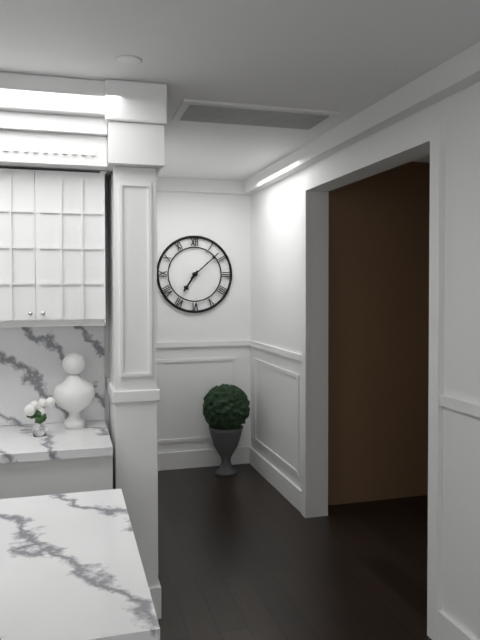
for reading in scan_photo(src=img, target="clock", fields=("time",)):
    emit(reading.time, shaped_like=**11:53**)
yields **7:08**
